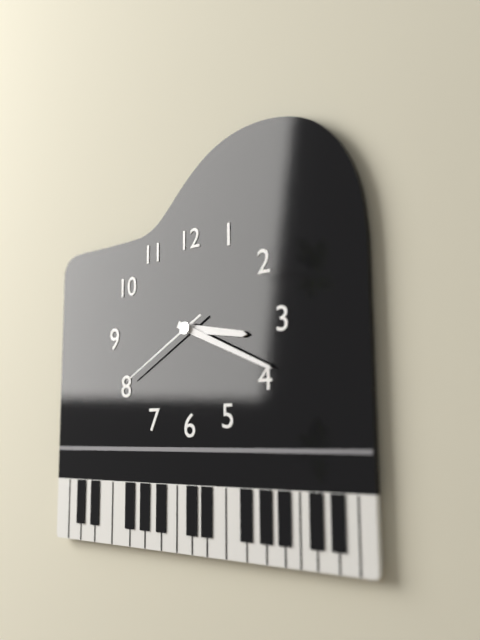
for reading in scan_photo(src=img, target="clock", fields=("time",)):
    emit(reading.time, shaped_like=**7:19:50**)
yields **3:19:40**
